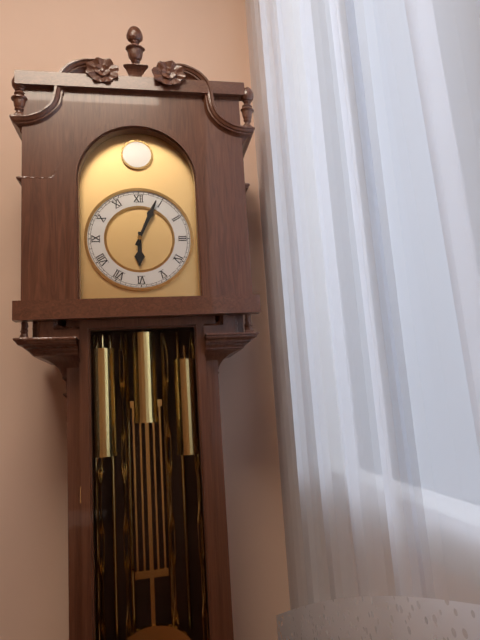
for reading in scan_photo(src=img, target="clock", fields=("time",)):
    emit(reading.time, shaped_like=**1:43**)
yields **6:04**
